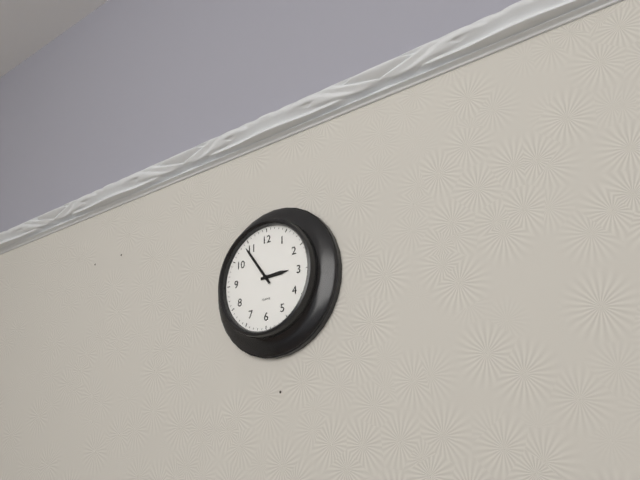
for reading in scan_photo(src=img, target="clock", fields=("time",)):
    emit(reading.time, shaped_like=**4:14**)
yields **2:54**
